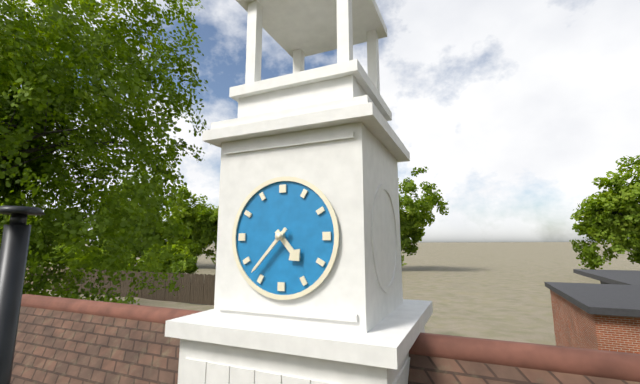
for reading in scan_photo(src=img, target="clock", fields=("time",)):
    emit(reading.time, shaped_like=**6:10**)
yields **4:37**
